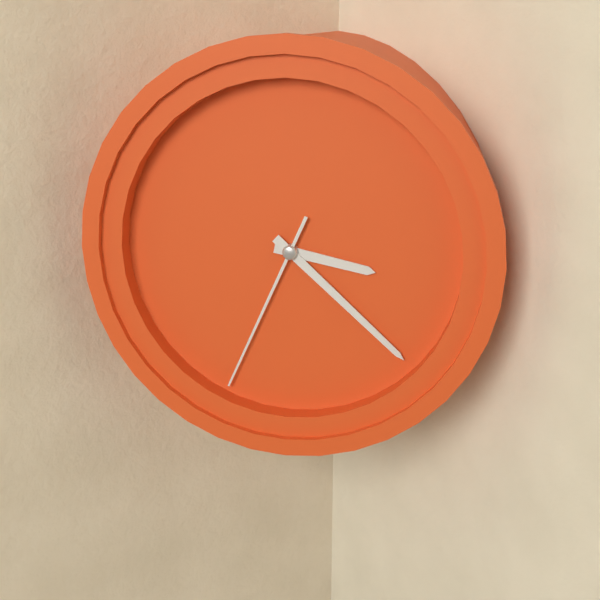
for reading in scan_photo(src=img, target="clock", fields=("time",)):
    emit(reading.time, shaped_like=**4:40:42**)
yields **3:22:34**
